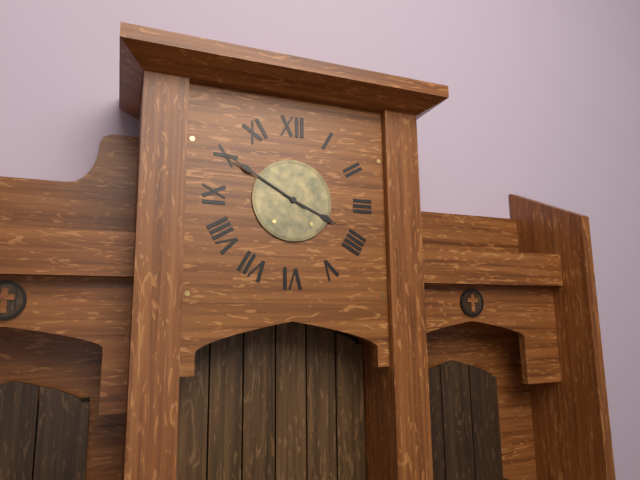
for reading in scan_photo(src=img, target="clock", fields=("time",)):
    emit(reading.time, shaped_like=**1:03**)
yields **3:50**
